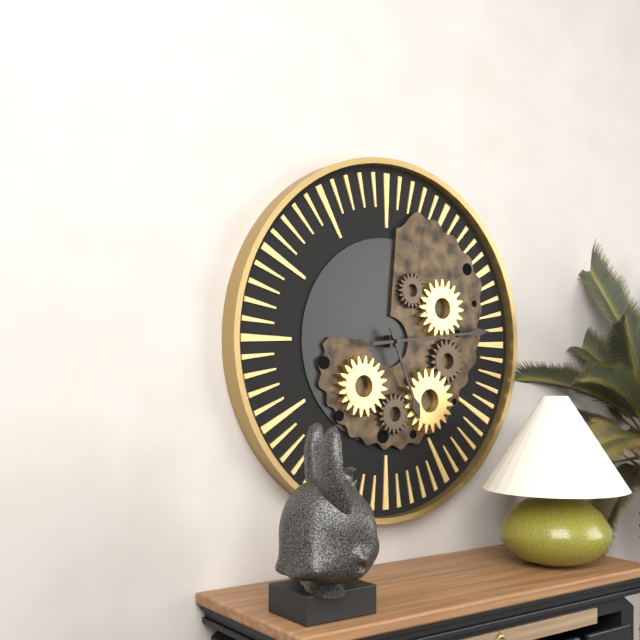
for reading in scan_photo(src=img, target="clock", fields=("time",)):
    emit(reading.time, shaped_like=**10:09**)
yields **5:14**
